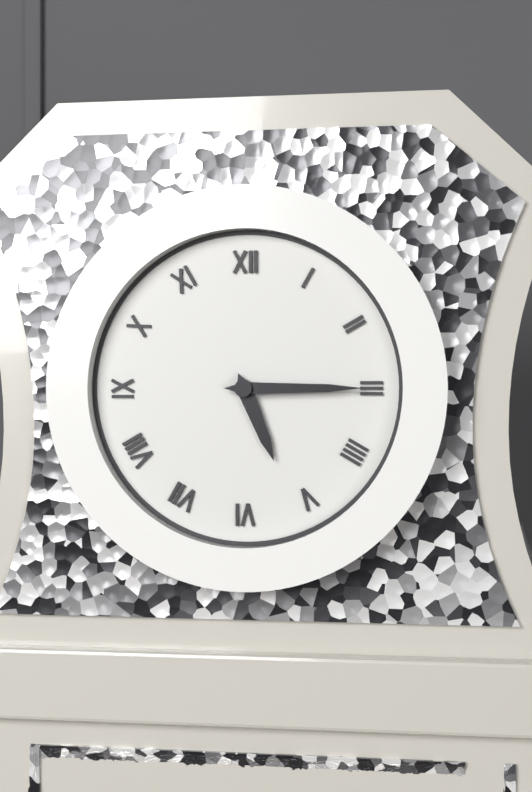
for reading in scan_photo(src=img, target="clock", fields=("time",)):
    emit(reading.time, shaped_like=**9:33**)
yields **5:15**
